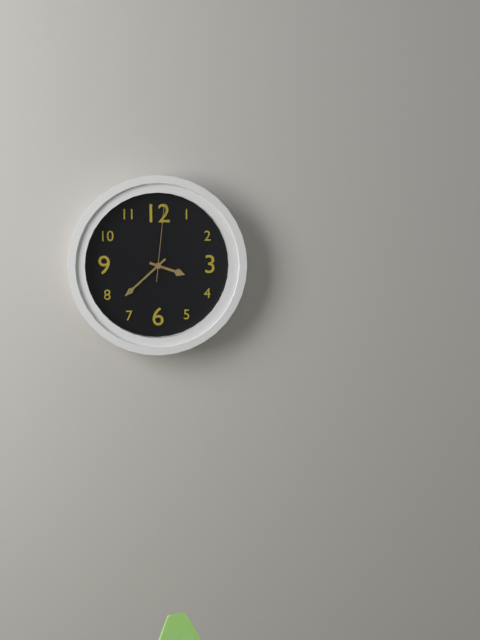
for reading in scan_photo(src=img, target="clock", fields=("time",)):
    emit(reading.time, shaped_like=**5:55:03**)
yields **3:38:01**
